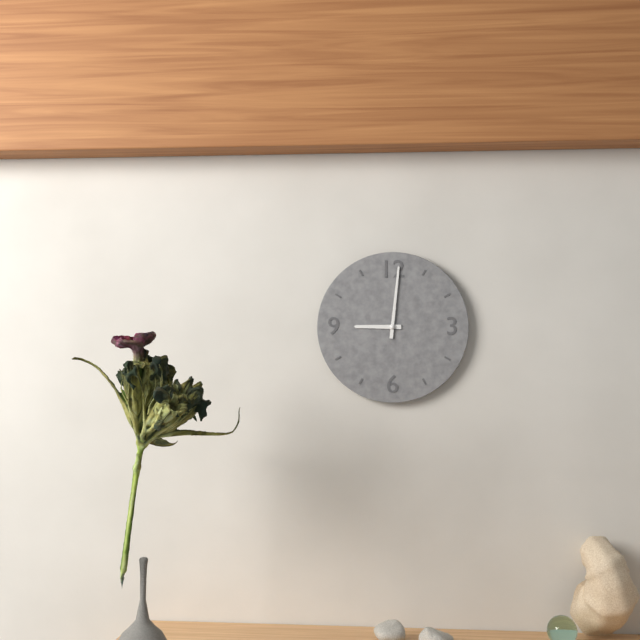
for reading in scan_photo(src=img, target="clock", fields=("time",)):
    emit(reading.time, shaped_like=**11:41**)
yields **9:01**
